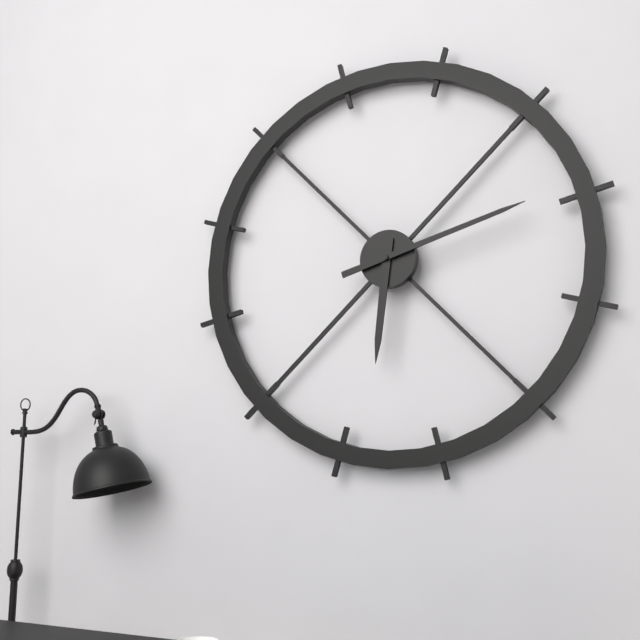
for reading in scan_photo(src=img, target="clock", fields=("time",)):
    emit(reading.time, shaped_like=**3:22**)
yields **6:12**
